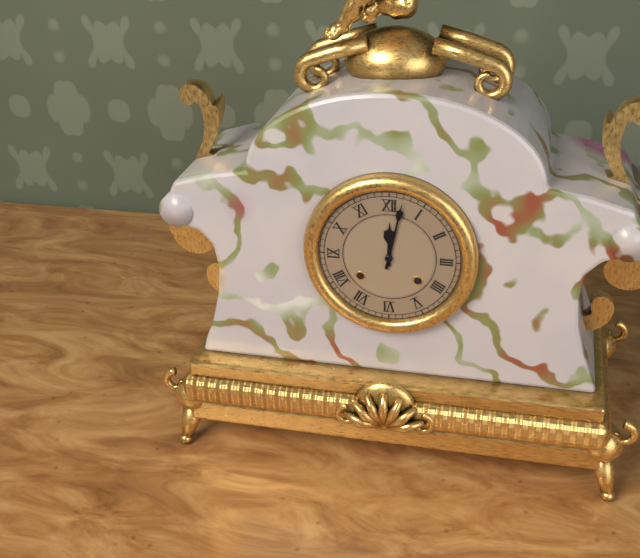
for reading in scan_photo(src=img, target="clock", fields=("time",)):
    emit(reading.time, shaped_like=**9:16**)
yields **12:02**
